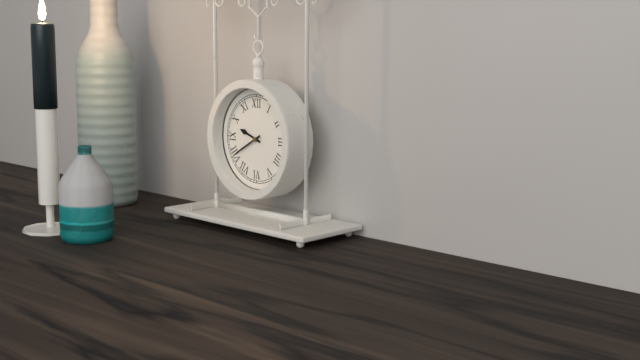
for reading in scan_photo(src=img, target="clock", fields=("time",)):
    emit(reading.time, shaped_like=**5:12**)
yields **9:40**
